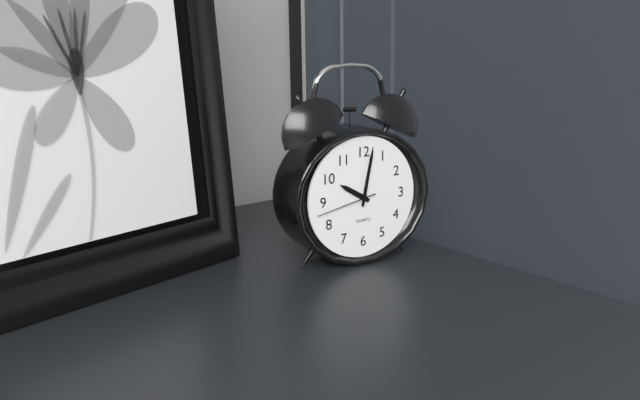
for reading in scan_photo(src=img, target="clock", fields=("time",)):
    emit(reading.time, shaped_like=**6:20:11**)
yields **10:02:43**
